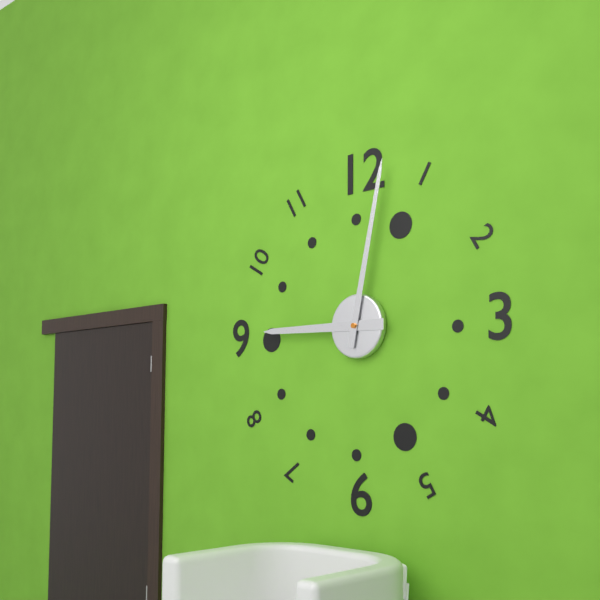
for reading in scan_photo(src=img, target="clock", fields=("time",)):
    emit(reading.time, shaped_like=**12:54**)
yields **9:02**
